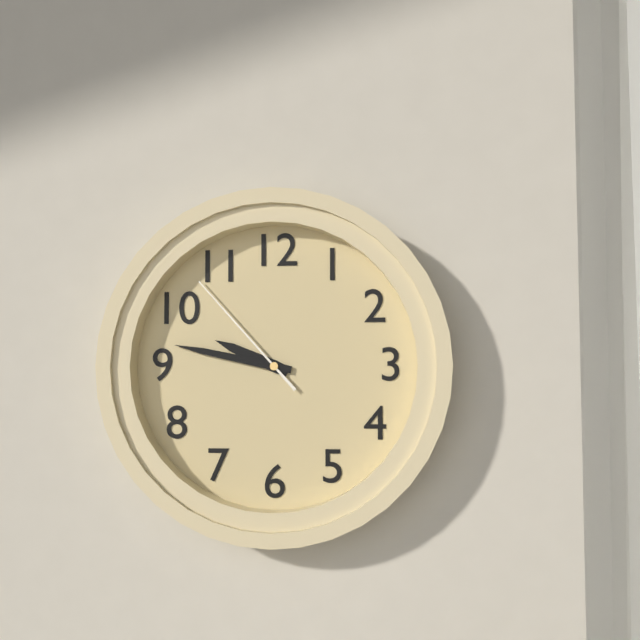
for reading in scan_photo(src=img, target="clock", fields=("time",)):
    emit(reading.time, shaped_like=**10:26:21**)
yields **9:47:53**
